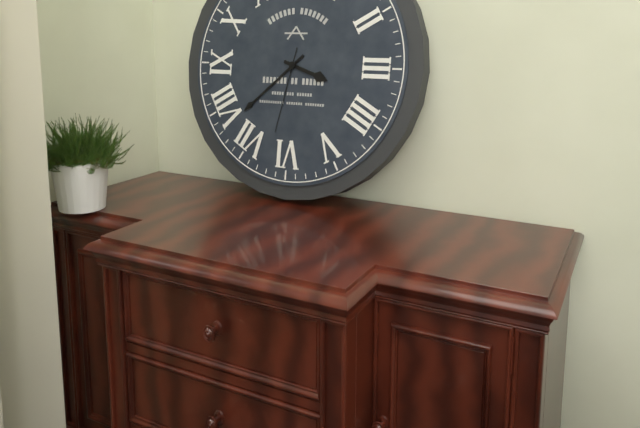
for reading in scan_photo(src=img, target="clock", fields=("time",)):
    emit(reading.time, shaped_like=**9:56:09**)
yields **3:38:32**
